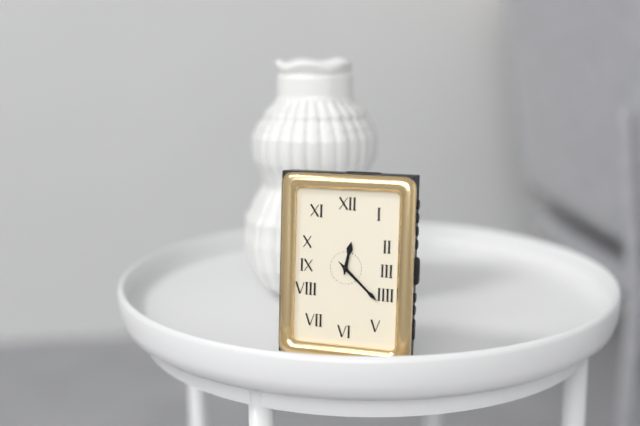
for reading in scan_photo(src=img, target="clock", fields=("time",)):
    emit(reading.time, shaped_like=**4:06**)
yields **12:22**
